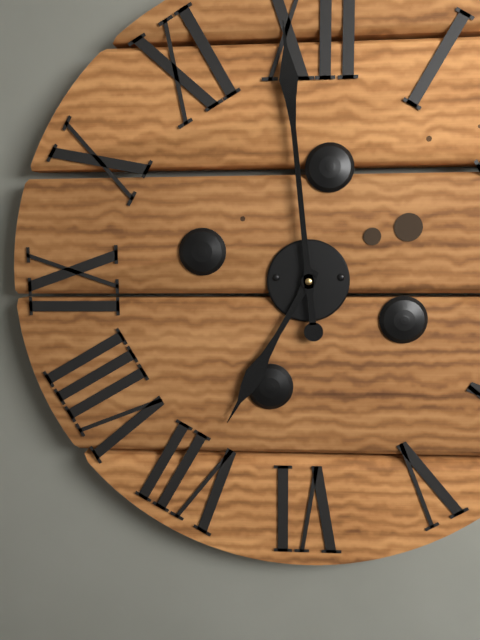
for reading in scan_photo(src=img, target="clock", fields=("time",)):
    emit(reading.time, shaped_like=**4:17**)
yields **6:59**
